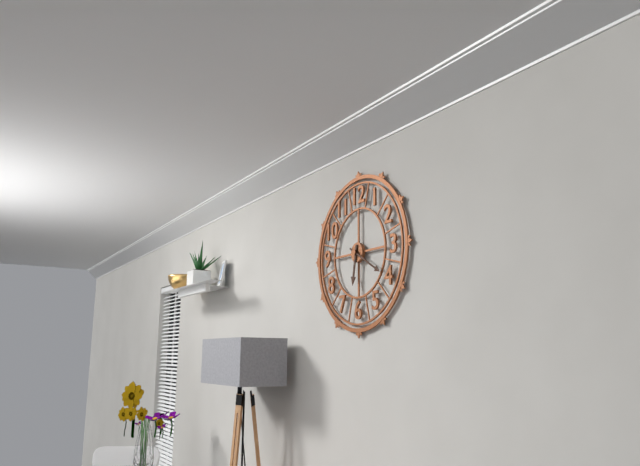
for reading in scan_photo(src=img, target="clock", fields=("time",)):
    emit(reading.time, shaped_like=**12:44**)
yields **6:20**
